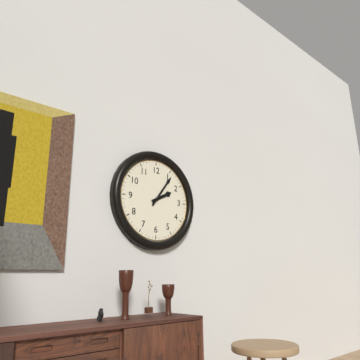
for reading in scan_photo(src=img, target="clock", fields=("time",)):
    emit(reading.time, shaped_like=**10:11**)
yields **2:06**
